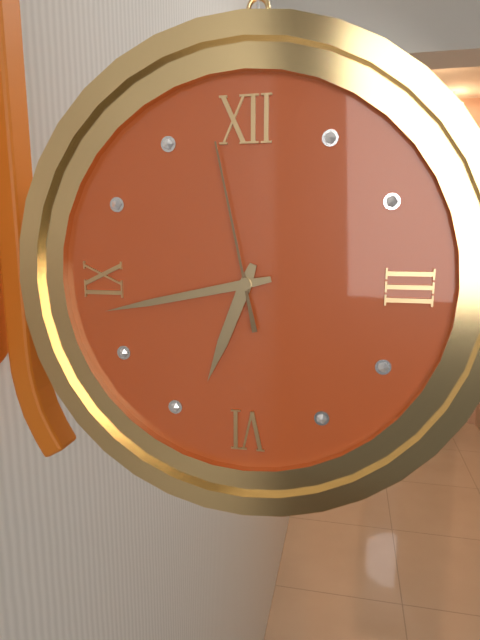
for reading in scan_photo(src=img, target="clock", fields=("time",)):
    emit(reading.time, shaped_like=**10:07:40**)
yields **6:43:58**
